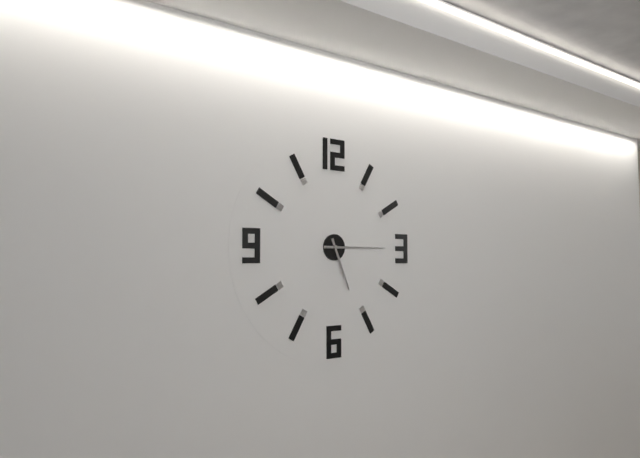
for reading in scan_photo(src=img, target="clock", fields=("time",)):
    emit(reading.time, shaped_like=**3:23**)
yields **5:15**
